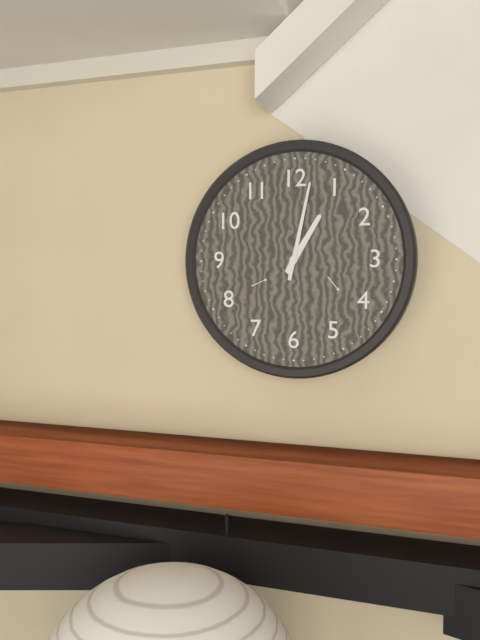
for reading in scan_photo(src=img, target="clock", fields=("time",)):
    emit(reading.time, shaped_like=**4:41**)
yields **1:02**
